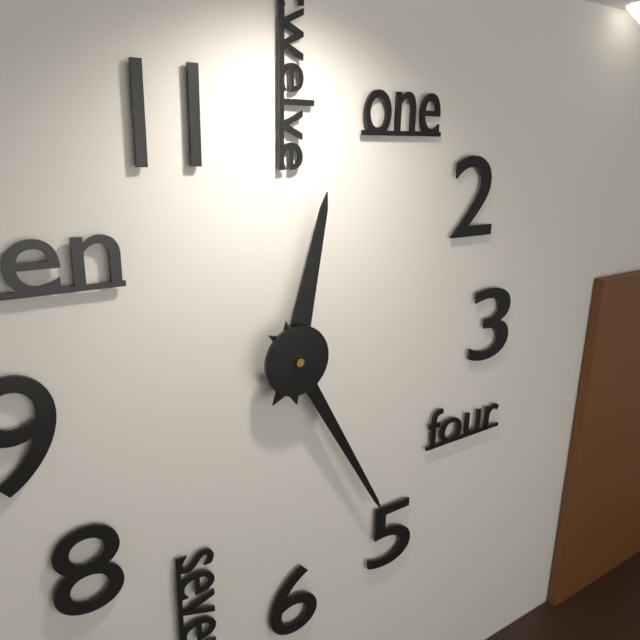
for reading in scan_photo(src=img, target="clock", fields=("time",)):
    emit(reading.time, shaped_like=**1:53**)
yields **12:25**
